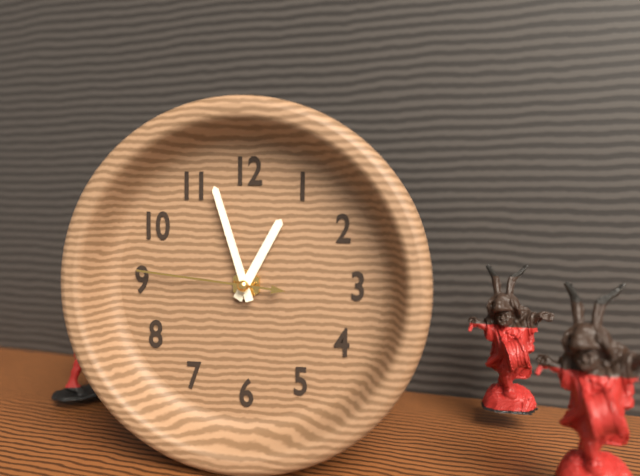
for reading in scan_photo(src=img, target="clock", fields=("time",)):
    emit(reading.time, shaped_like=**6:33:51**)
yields **12:57:46**
